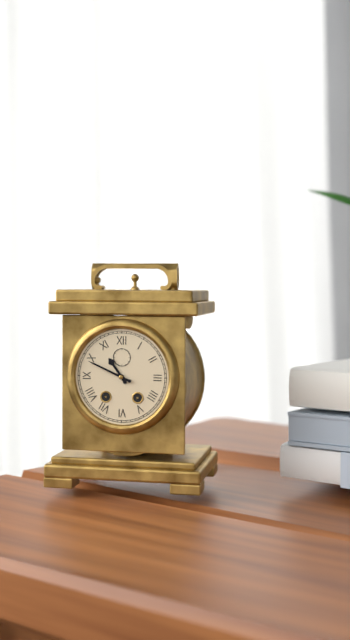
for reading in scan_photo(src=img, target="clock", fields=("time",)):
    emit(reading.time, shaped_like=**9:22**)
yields **10:49**
